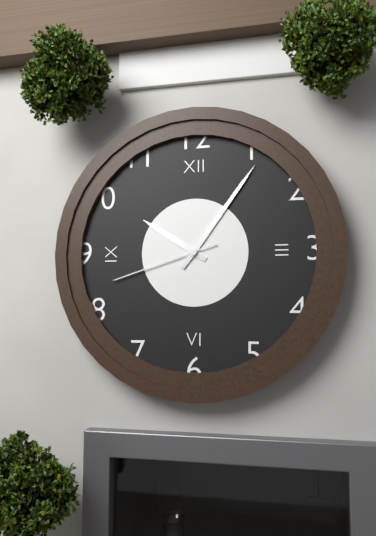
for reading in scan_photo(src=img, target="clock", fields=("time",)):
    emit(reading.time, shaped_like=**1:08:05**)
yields **10:06:42**
